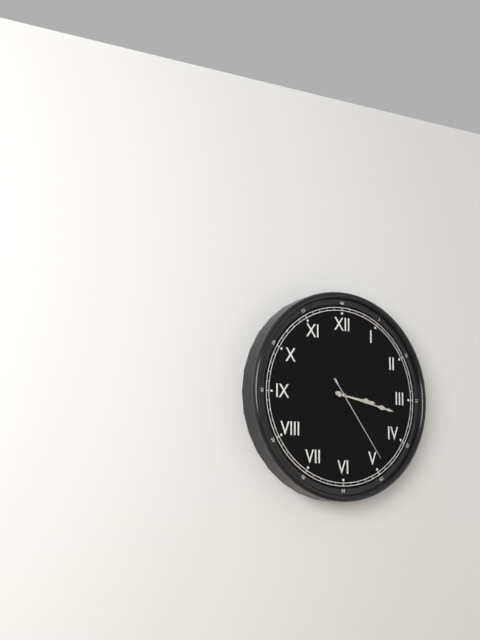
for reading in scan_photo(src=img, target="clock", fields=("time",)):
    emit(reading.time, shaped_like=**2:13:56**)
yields **3:17:24**
